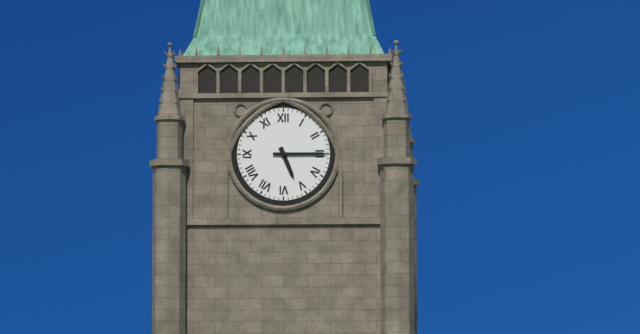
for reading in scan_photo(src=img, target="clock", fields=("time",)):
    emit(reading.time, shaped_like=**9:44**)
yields **5:15**
